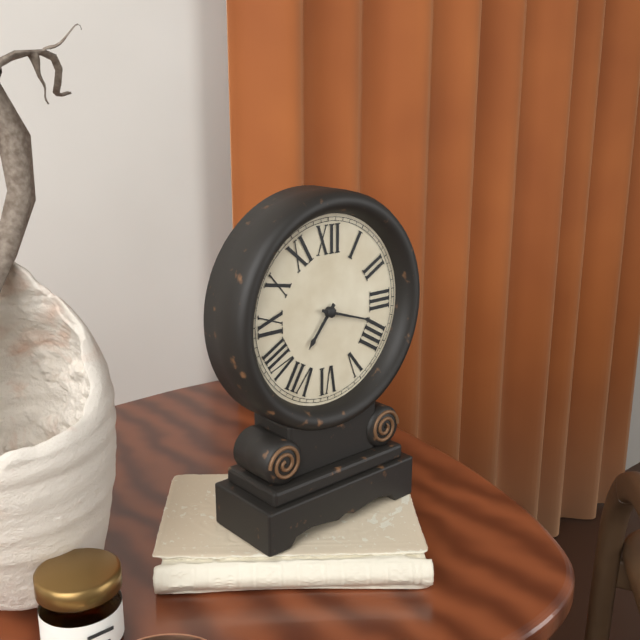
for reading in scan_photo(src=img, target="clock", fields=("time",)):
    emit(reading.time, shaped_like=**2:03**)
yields **7:18**
